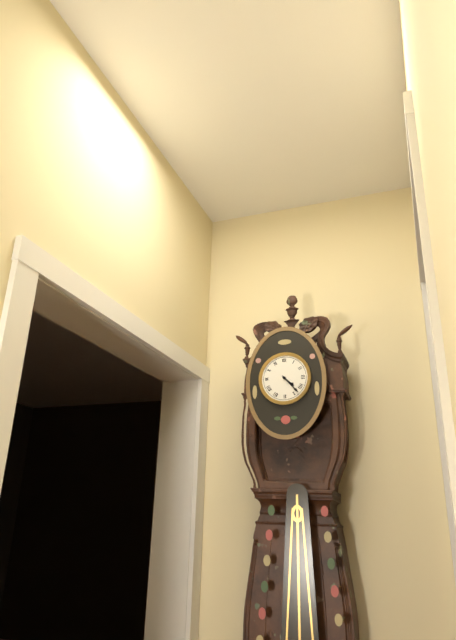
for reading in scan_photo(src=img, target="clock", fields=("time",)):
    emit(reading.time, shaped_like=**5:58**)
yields **4:23**
